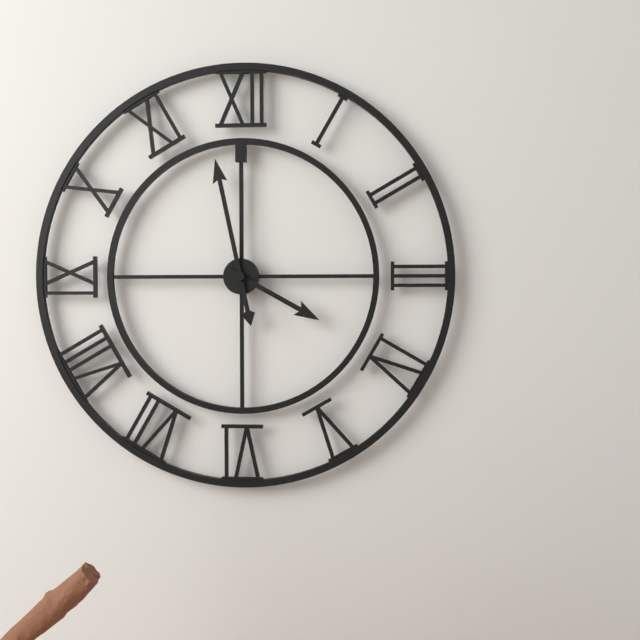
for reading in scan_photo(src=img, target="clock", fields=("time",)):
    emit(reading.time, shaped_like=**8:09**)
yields **3:58**
